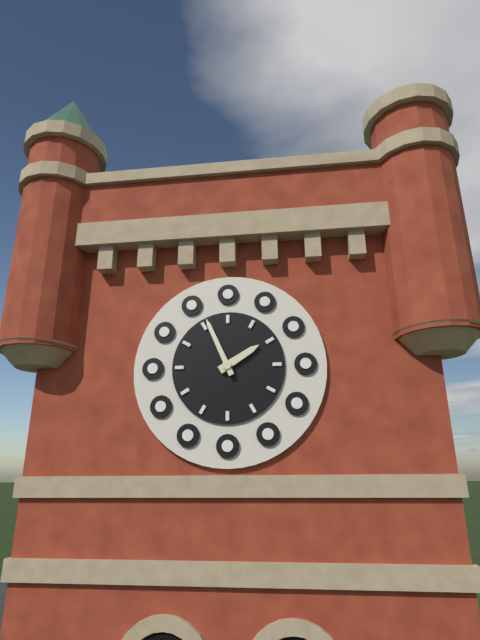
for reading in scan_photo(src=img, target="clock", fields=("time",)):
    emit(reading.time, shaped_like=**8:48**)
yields **1:56**
